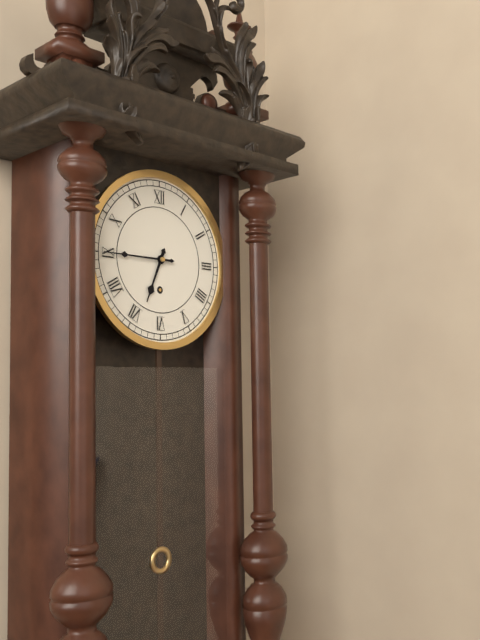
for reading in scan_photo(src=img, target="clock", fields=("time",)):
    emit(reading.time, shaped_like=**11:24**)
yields **6:45**
